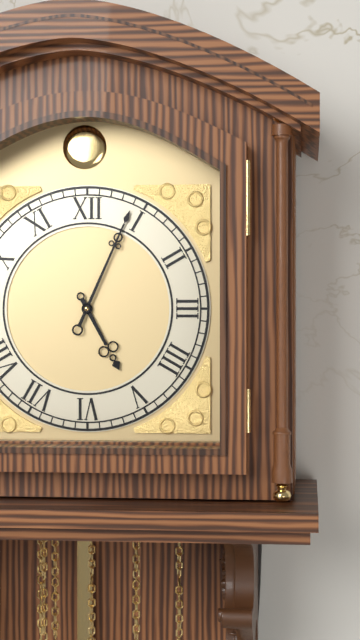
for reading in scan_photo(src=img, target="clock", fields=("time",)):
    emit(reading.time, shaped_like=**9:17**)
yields **5:04**
